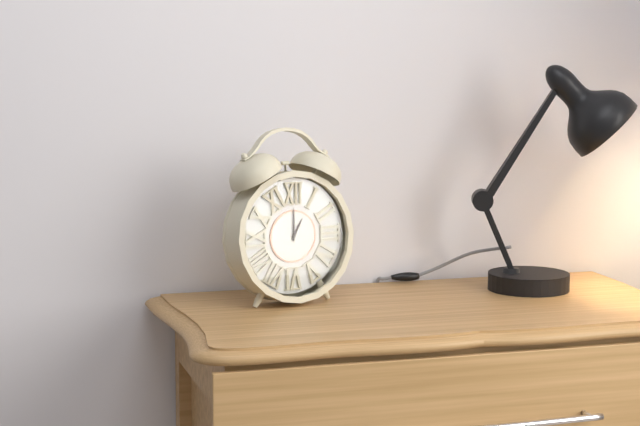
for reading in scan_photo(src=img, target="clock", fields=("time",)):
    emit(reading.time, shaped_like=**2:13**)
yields **1:00**
